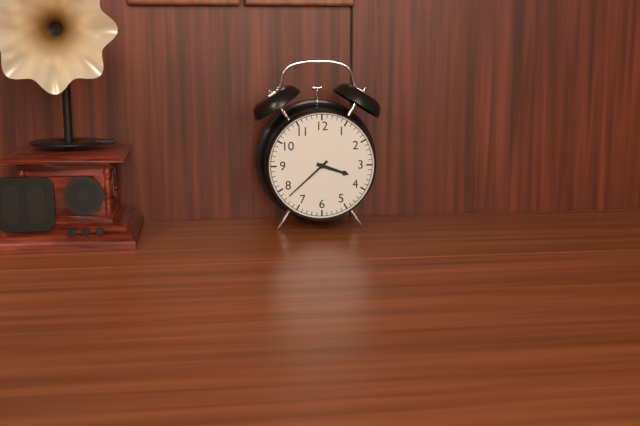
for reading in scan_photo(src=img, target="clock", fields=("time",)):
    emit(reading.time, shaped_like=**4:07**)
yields **3:38**
